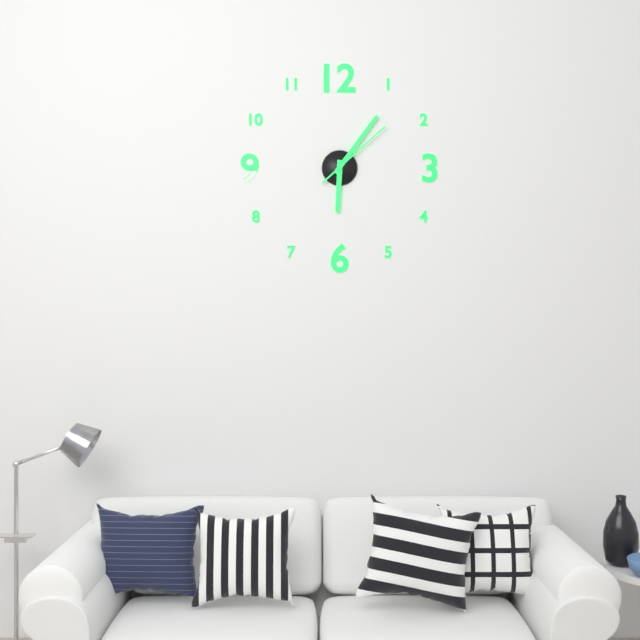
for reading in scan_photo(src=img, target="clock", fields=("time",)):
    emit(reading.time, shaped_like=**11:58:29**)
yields **6:06:08**
